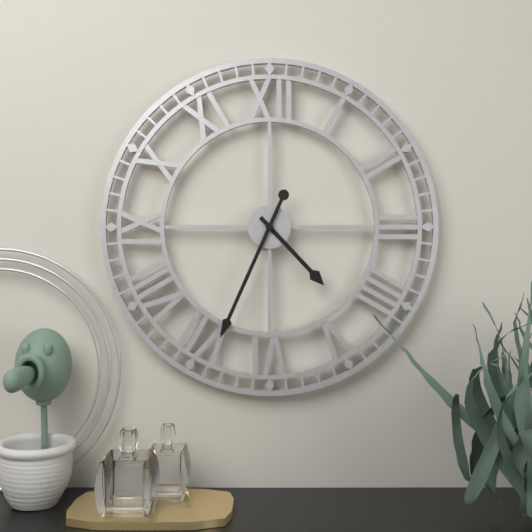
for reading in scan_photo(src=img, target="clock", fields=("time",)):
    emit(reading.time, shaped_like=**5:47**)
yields **4:34**
